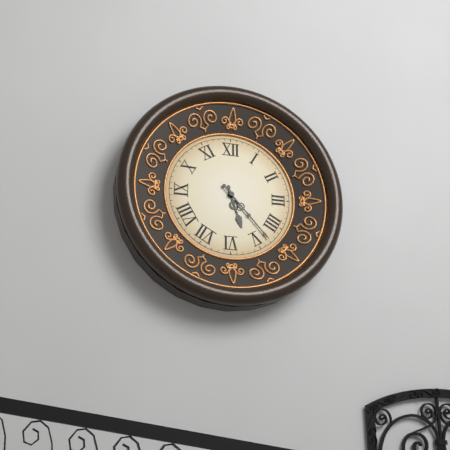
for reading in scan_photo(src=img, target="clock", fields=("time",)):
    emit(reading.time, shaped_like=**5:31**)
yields **5:23**
